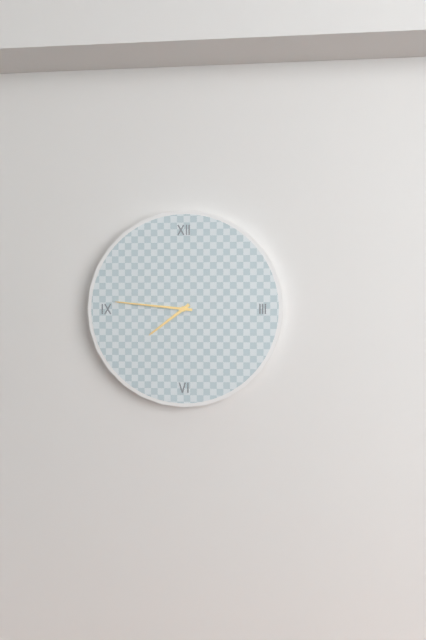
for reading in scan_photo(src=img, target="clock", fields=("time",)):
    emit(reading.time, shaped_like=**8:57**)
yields **7:46**
